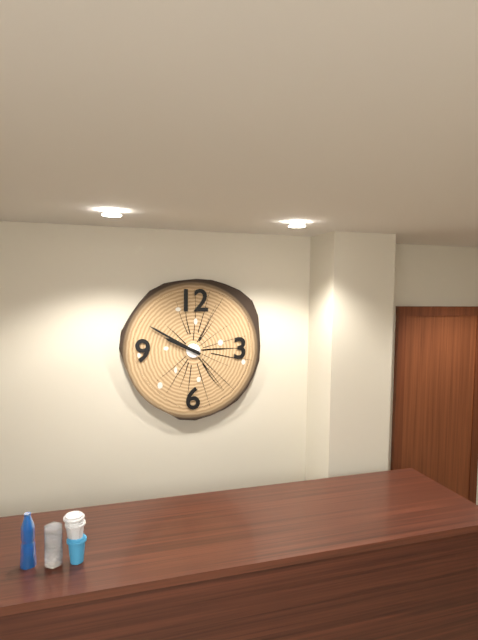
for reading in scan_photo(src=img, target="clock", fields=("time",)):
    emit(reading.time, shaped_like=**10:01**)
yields **9:50**
